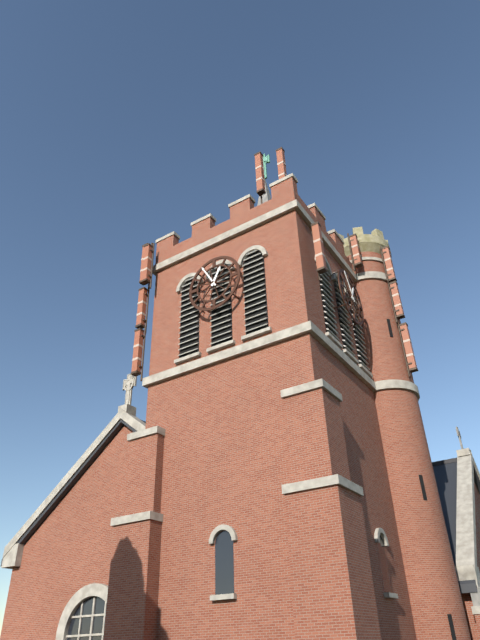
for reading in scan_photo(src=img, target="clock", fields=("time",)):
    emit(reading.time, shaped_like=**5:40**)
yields **12:55**
